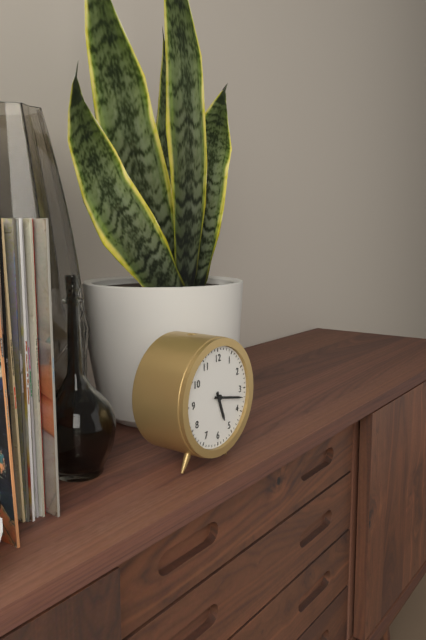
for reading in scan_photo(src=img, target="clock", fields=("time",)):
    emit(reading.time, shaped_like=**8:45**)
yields **5:17**
